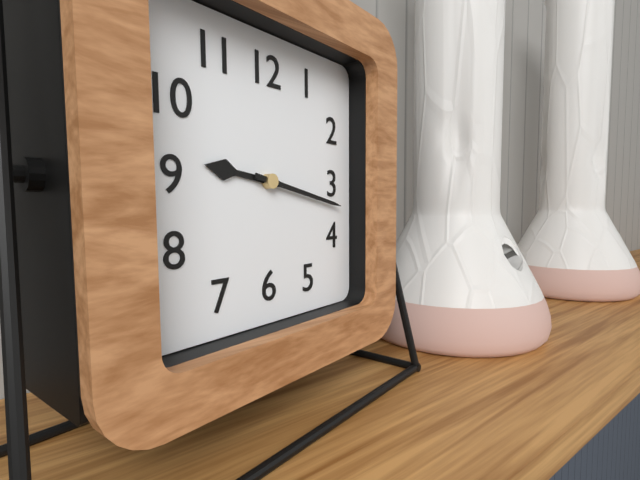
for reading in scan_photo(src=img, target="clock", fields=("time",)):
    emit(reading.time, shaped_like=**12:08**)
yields **9:17**
